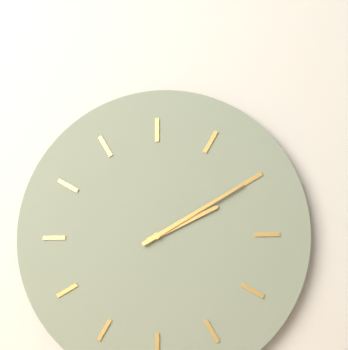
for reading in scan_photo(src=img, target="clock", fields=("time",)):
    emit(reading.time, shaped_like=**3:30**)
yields **2:10**
